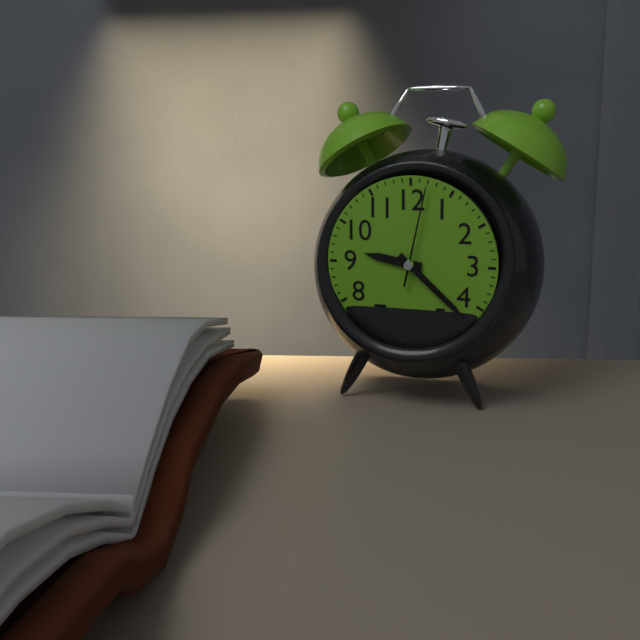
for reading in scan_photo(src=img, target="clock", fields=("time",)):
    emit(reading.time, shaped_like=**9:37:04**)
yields **9:22:02**
